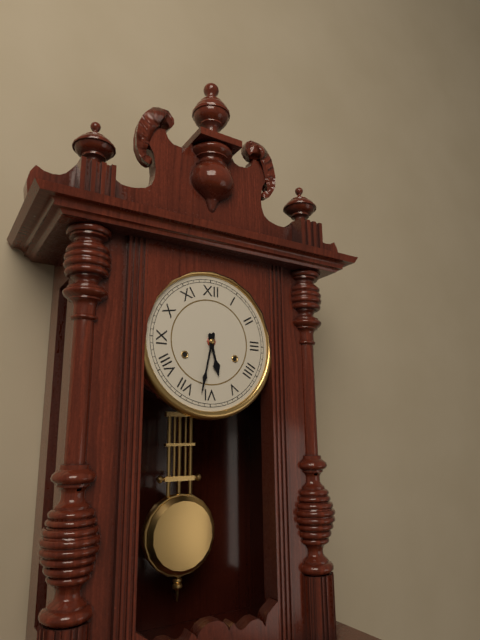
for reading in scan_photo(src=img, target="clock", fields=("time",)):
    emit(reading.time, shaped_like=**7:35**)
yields **5:32**
